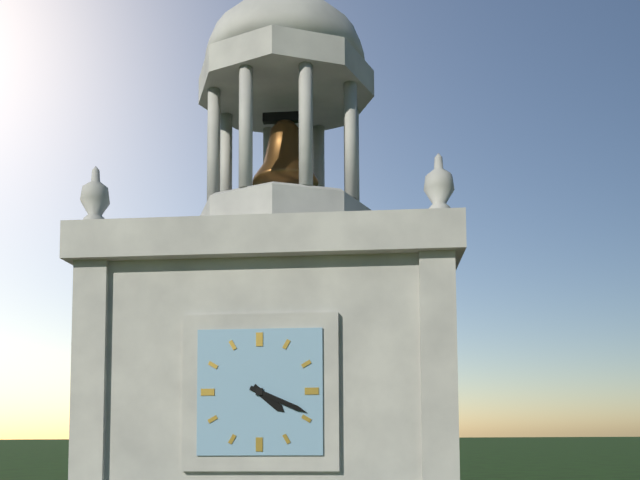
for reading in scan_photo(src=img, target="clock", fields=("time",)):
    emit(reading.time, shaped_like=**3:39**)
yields **4:19**
